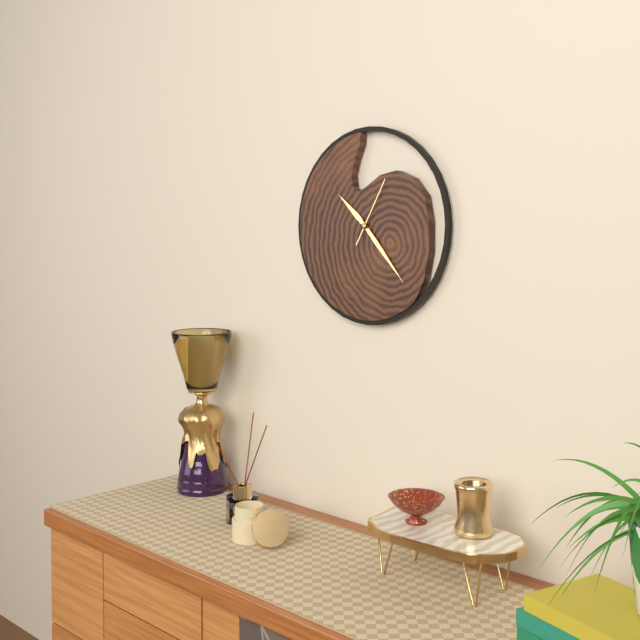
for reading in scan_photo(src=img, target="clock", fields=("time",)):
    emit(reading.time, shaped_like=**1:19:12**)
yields **10:23:05**
